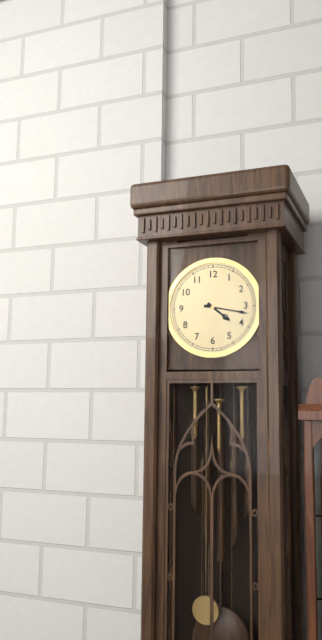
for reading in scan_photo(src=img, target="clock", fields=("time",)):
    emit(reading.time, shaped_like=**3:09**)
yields **4:17**
